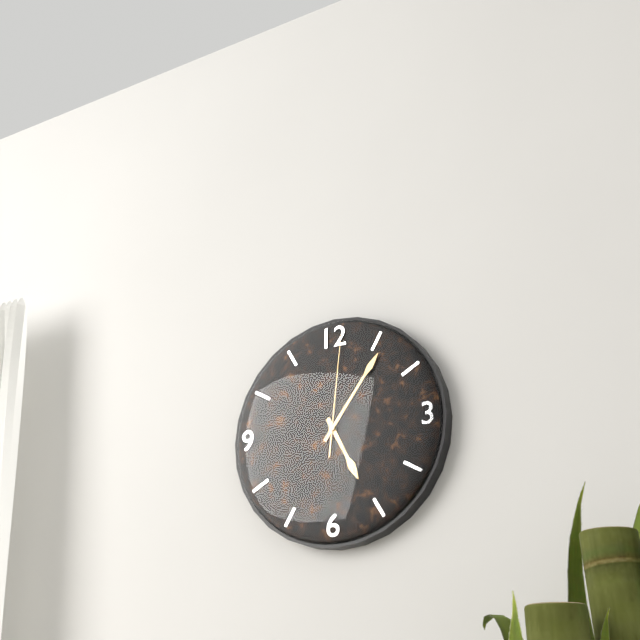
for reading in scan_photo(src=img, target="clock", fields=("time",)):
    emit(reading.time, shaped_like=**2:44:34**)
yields **5:06:01**
